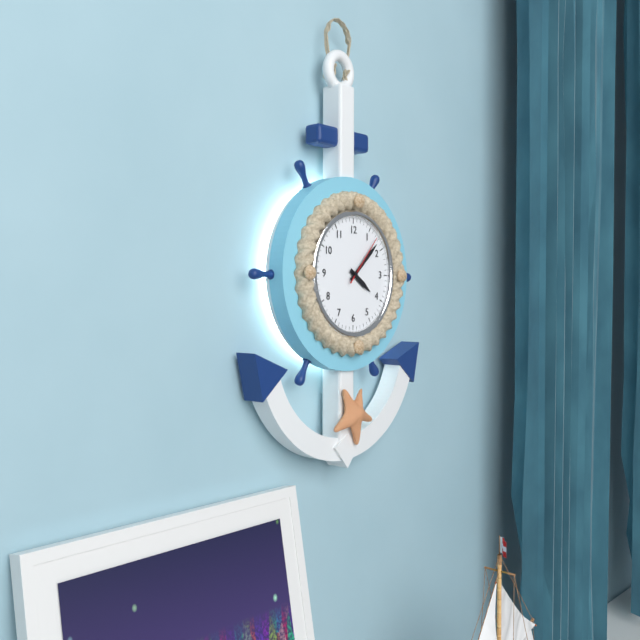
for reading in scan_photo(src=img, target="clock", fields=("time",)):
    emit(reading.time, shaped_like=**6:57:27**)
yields **4:08:07**
